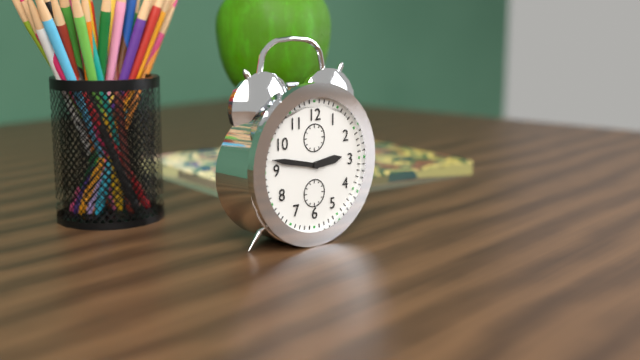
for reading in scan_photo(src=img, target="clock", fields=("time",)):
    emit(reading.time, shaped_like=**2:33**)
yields **2:47**
